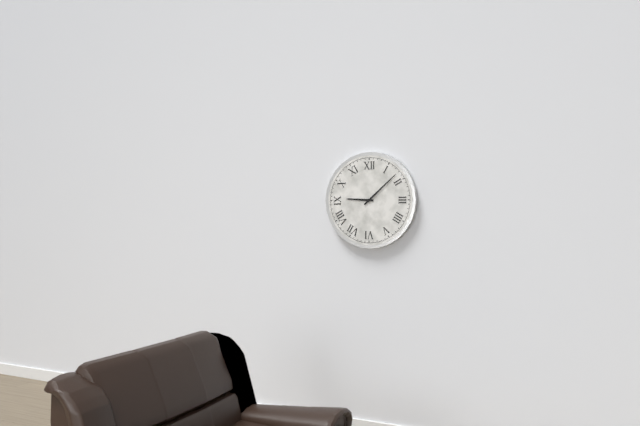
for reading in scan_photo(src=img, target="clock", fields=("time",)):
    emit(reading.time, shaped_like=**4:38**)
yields **9:08**
